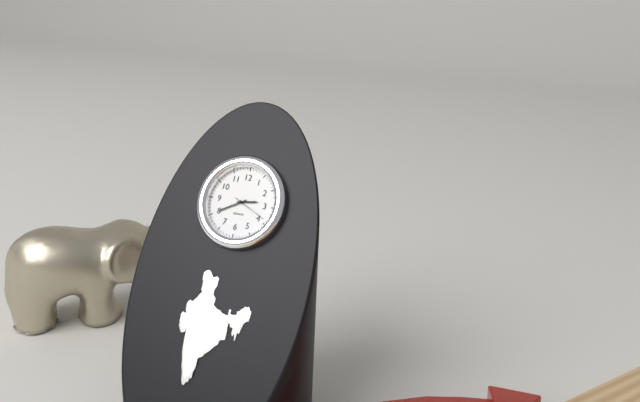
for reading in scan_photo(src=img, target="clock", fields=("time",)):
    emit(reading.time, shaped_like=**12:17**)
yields **2:40**
